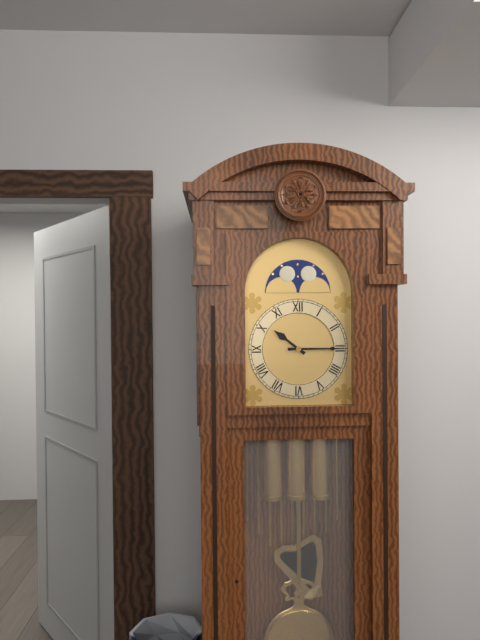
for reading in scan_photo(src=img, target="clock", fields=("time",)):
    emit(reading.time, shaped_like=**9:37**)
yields **10:15**
